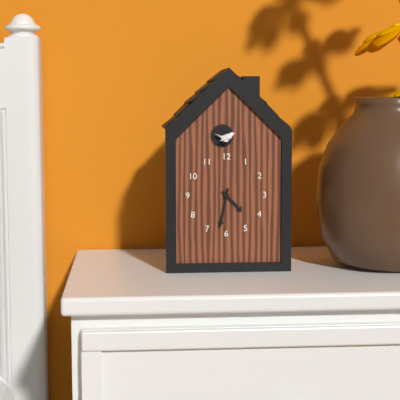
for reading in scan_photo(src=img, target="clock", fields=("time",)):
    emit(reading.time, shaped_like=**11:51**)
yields **4:32**
